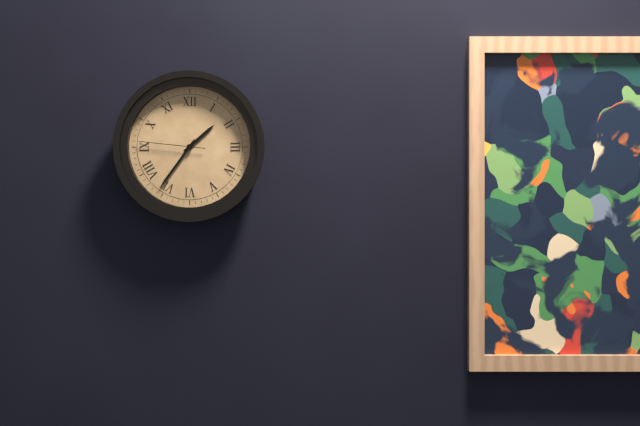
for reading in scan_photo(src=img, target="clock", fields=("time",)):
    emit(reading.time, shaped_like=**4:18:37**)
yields **1:36:46**
